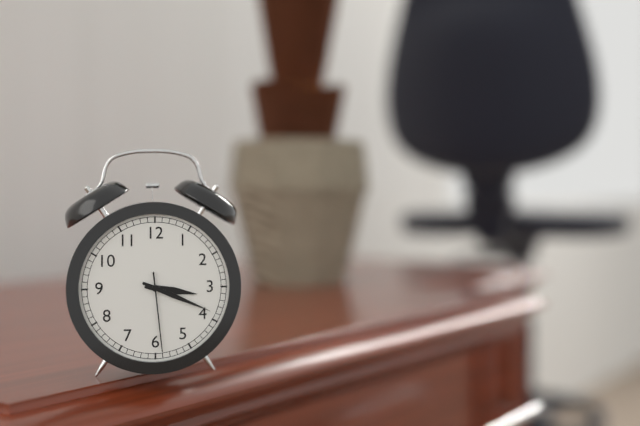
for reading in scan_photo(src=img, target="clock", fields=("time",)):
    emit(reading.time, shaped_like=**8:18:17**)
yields **3:19:29**
